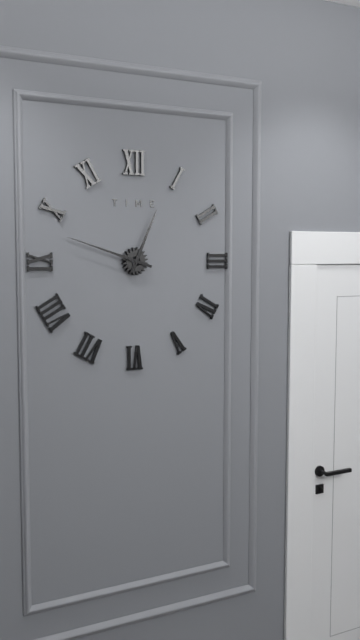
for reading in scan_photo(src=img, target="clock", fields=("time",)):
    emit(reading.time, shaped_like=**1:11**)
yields **12:48**
